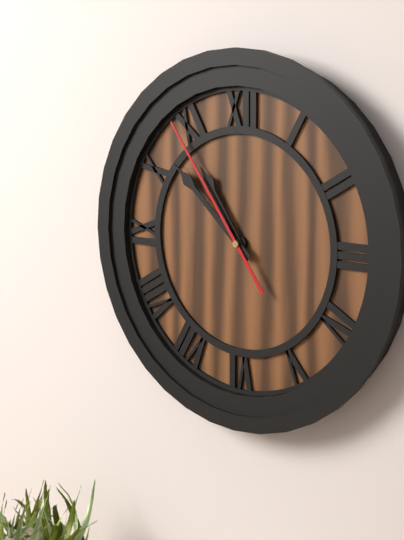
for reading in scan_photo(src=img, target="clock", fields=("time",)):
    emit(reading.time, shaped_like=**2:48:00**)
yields **10:52:54**
